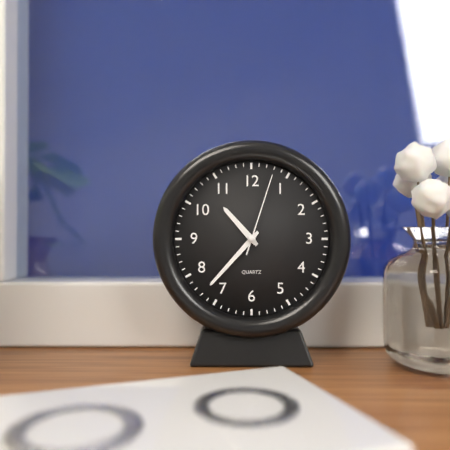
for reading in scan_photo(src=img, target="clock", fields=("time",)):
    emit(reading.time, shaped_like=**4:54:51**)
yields **10:37:03**
